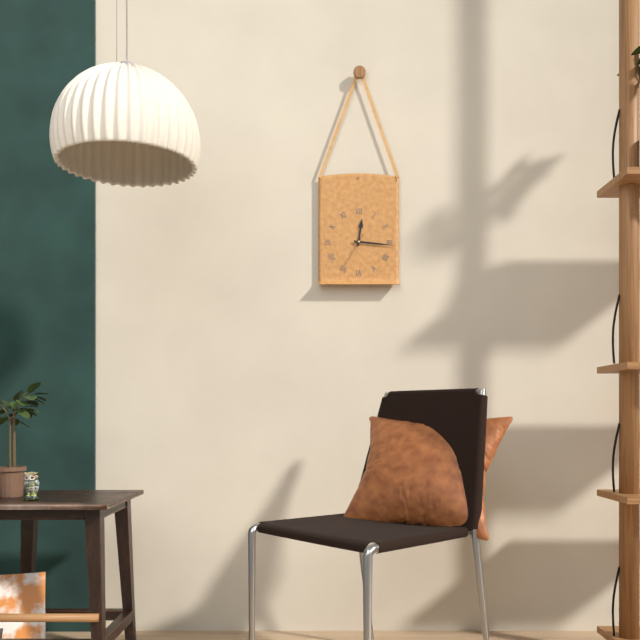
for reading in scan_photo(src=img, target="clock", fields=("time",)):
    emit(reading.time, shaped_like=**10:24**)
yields **12:16**
